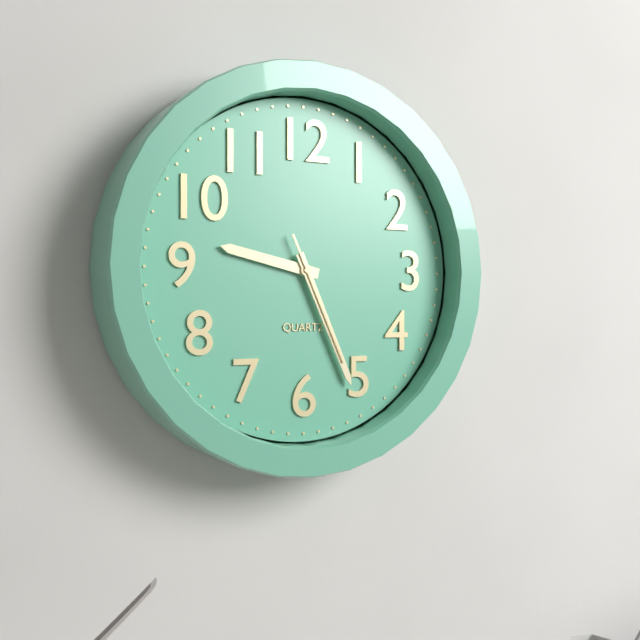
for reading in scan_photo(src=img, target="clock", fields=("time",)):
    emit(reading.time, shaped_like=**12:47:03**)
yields **9:26:26**
